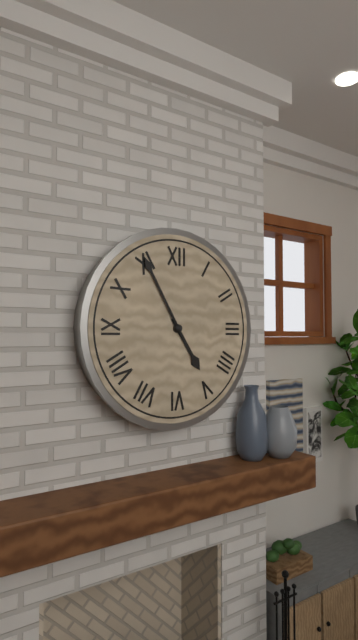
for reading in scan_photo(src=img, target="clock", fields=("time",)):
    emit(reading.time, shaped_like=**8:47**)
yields **4:55**
